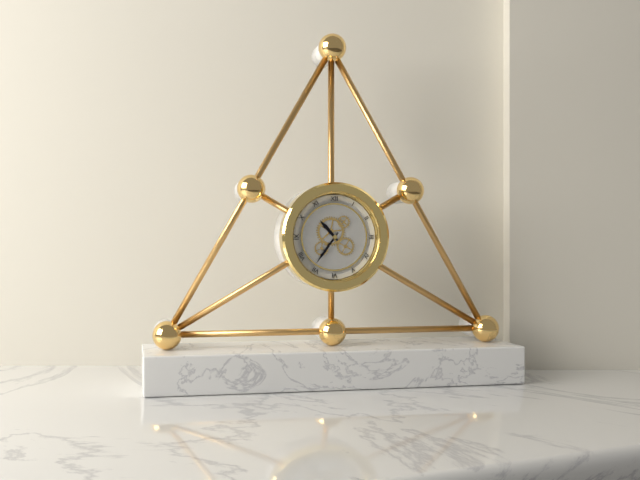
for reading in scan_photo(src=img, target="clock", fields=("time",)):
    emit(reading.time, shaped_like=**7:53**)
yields **10:36**
